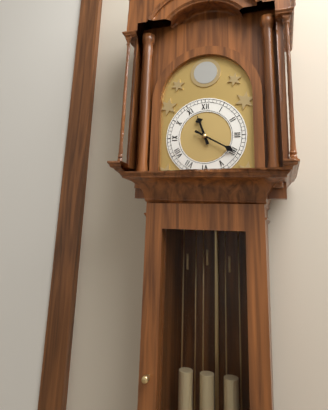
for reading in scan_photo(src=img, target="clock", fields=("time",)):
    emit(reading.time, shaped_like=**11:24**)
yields **11:20**
